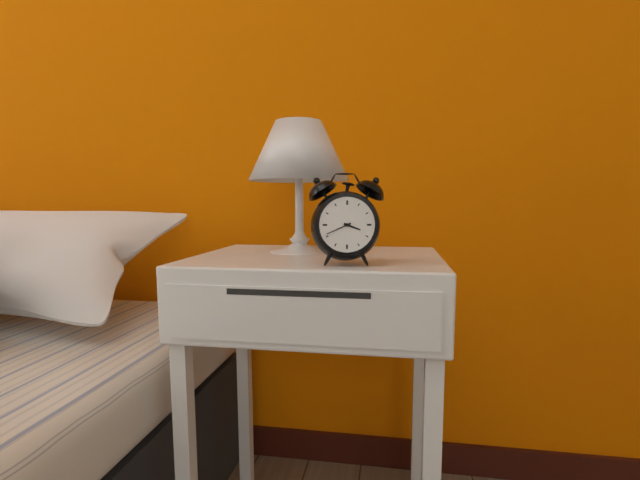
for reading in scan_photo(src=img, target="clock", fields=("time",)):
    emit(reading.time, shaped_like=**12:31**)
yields **3:41**
